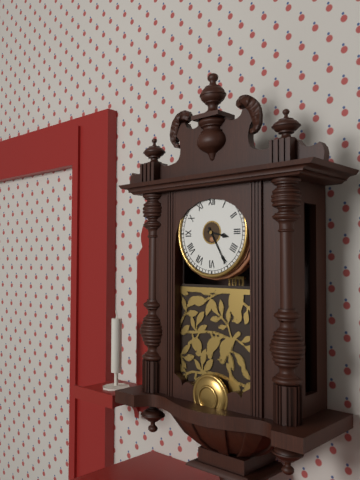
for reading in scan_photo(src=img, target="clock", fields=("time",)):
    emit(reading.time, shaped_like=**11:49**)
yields **3:25**
